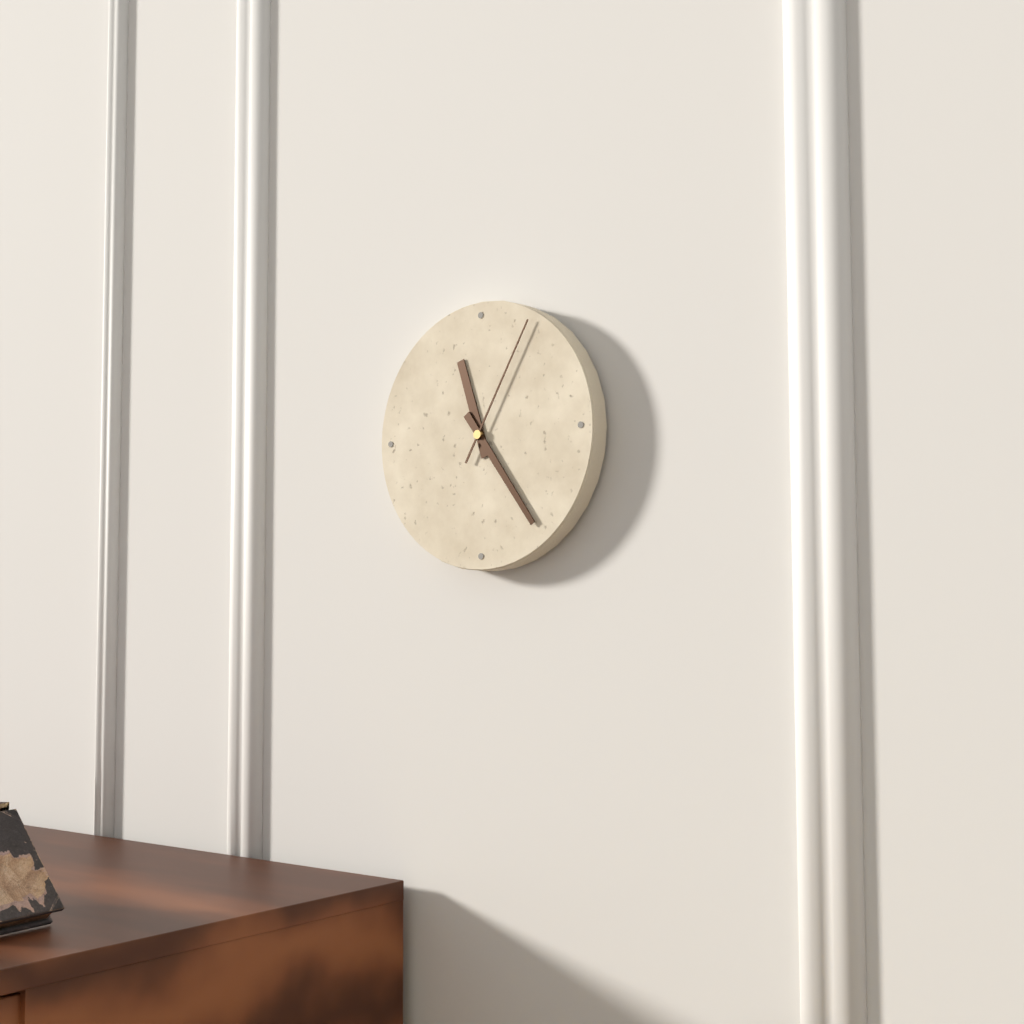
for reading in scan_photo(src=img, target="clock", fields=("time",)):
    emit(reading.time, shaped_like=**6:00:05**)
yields **11:24:05**
